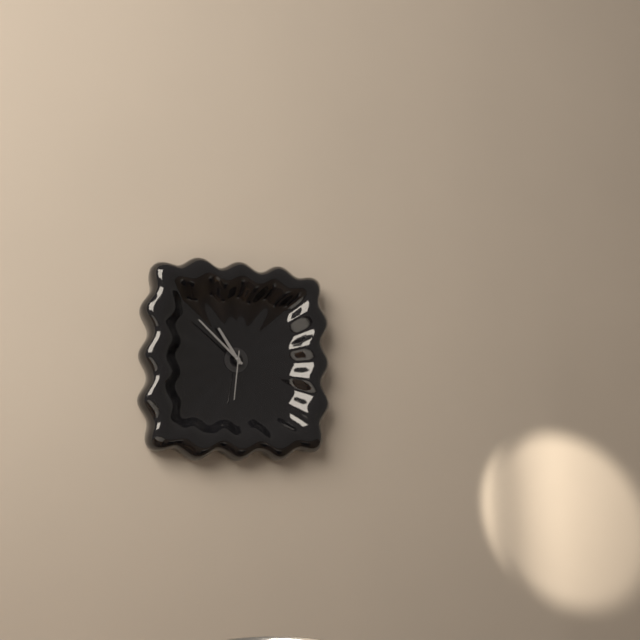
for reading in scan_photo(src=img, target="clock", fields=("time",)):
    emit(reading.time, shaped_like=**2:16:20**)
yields **10:52:31**
